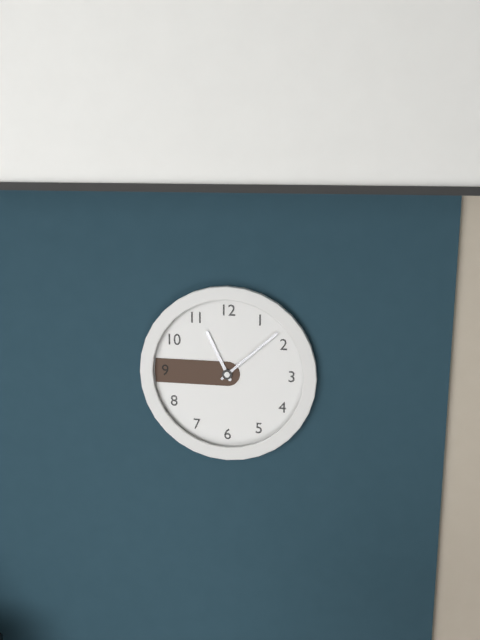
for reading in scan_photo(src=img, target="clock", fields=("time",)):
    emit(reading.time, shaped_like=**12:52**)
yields **11:08**
